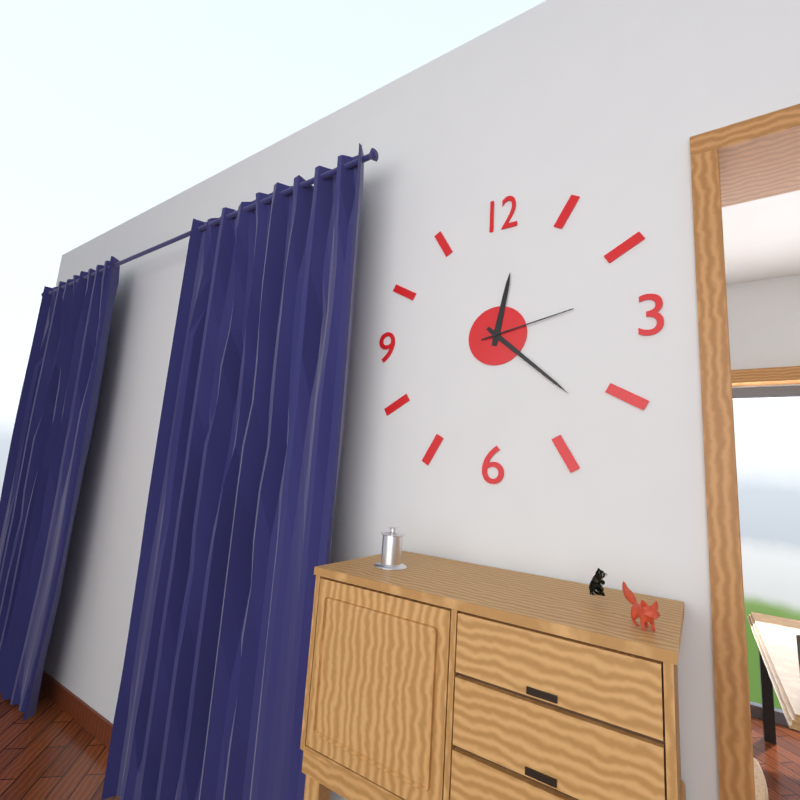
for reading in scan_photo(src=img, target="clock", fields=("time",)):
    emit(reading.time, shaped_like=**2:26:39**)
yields **12:22:13**
